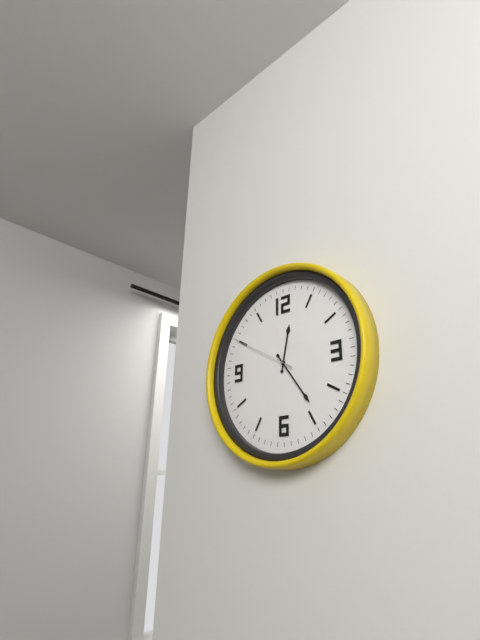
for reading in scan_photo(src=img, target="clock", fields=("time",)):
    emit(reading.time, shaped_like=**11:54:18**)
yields **12:24:50**
